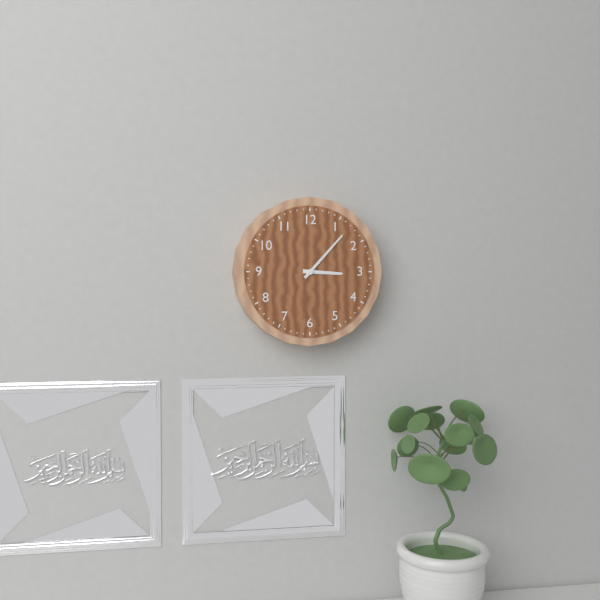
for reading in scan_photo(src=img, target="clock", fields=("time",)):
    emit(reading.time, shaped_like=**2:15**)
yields **3:07**
